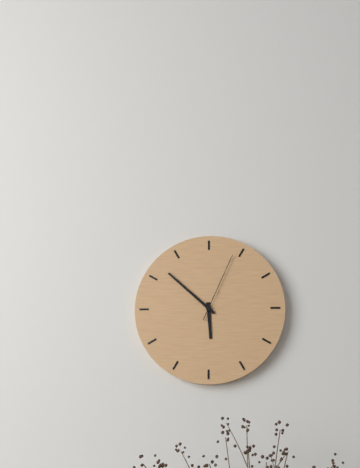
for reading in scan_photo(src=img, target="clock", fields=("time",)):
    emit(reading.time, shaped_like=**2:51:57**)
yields **5:52:04**
